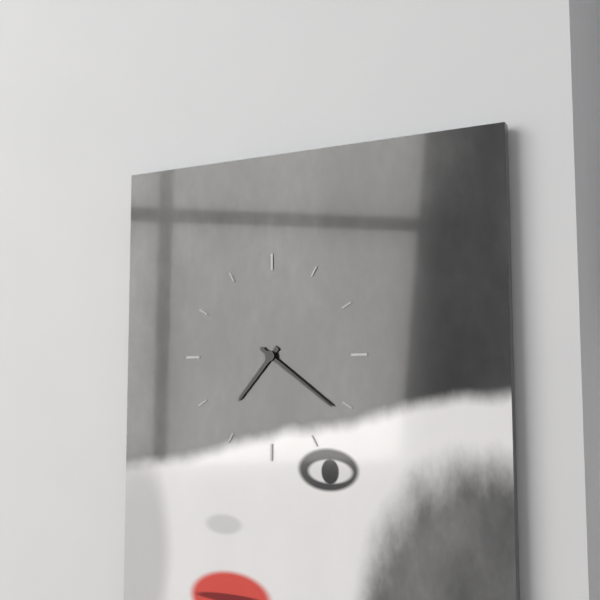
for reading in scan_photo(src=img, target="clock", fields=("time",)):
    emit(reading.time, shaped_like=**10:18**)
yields **7:21**
